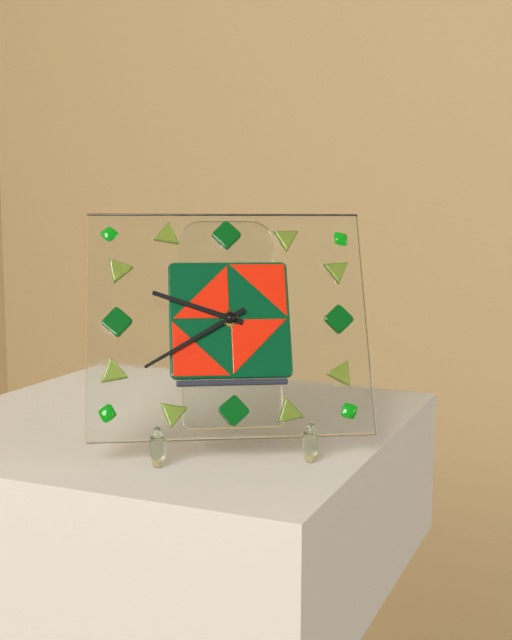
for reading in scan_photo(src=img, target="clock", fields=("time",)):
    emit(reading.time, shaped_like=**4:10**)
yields **9:40**
